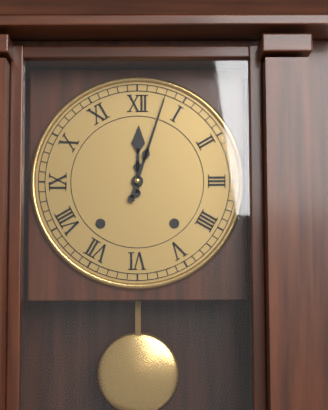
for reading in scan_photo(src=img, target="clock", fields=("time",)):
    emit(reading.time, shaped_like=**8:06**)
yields **12:03**
